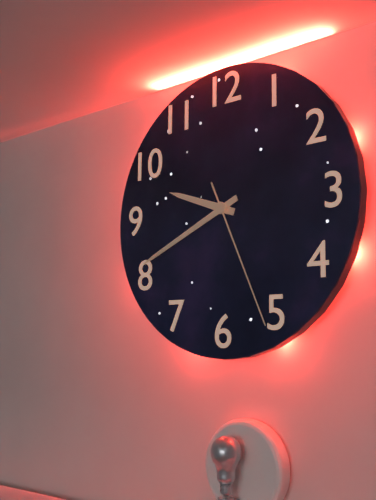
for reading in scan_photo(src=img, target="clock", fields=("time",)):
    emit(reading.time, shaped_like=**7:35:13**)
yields **9:41:26**
